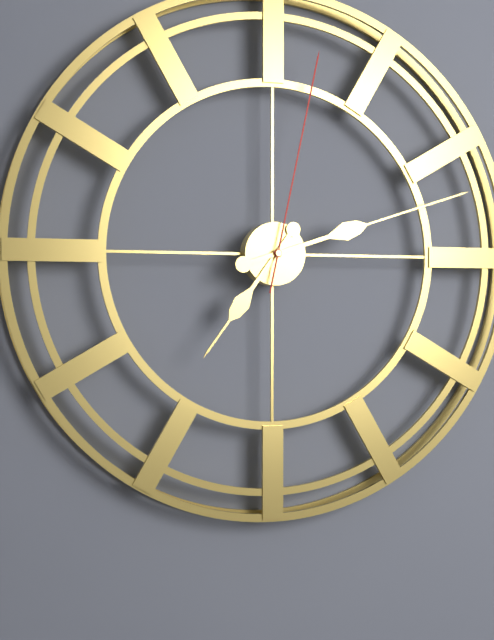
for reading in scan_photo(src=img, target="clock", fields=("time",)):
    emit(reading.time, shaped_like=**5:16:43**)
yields **7:12:02**
